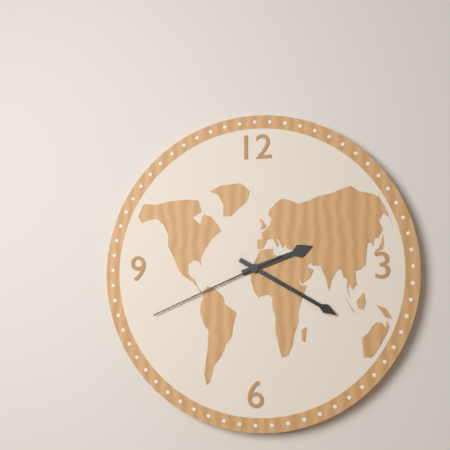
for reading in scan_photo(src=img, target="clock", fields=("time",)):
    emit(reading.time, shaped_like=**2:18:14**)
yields **2:20:41**
